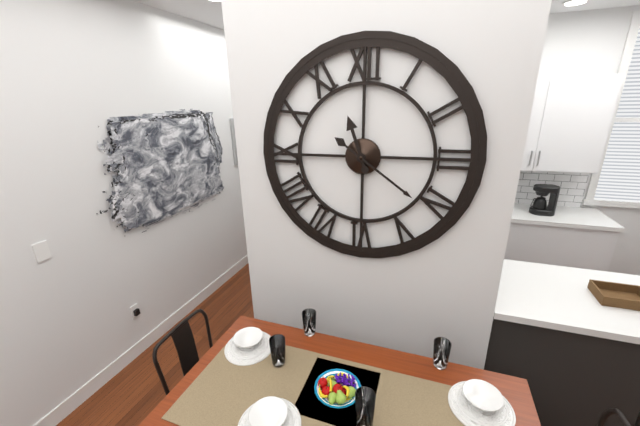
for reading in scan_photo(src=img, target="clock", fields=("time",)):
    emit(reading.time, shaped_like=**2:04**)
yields **11:21**
